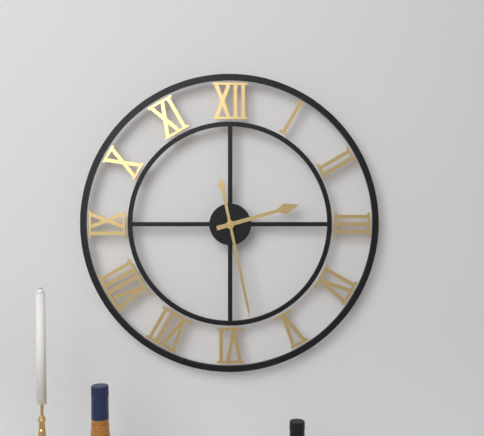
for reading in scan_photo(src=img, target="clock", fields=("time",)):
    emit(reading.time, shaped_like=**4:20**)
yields **2:28**
